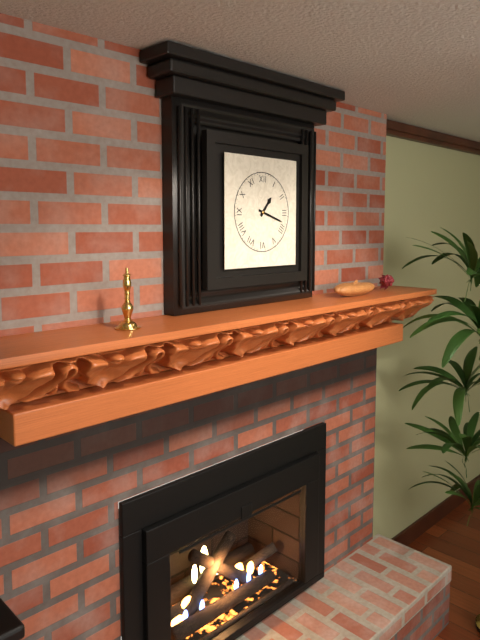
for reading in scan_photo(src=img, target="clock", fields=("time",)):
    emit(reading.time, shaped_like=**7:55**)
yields **1:18**
